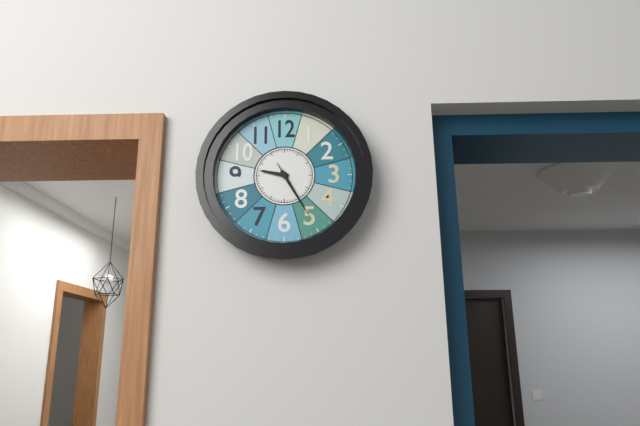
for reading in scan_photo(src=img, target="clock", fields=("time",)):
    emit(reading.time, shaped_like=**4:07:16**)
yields **9:25:25**
